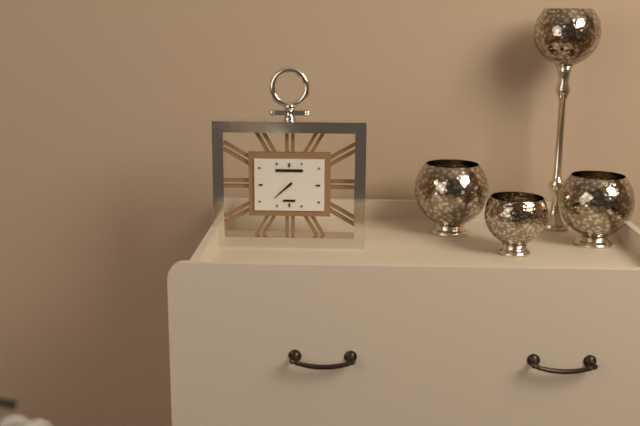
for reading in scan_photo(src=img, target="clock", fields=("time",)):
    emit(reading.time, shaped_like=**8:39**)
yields **7:38**
